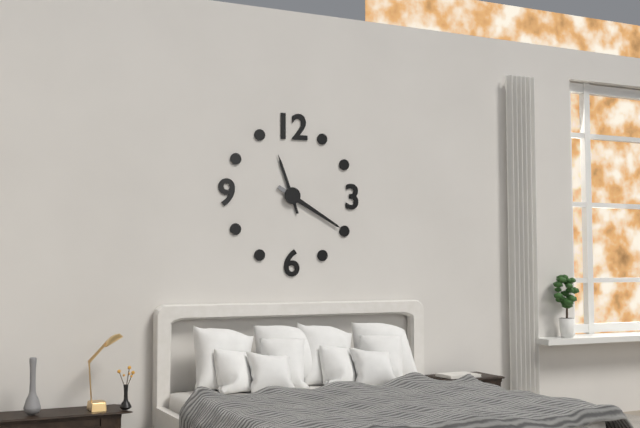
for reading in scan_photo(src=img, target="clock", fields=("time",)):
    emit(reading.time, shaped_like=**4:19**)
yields **11:20**
